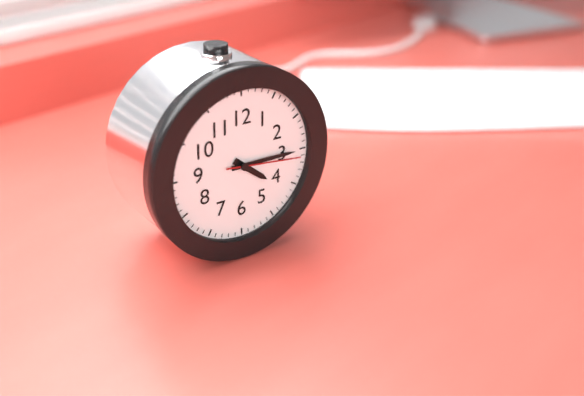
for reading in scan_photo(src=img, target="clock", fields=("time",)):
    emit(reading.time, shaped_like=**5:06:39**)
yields **4:15:16**
